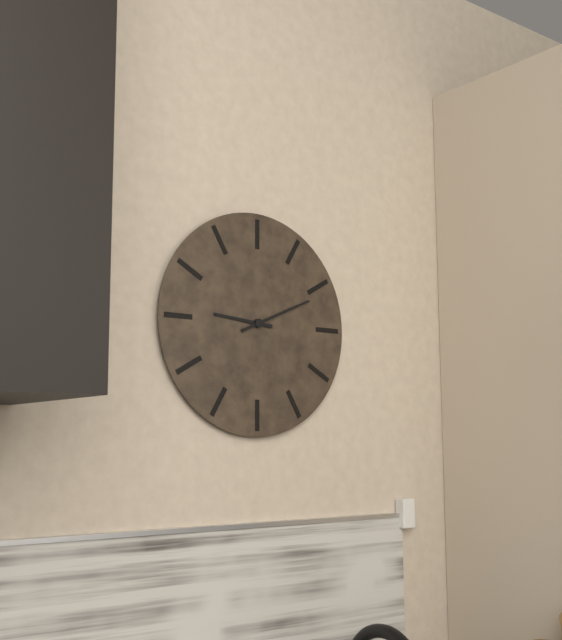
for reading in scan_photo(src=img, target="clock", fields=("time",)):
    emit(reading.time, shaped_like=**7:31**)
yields **9:11**
